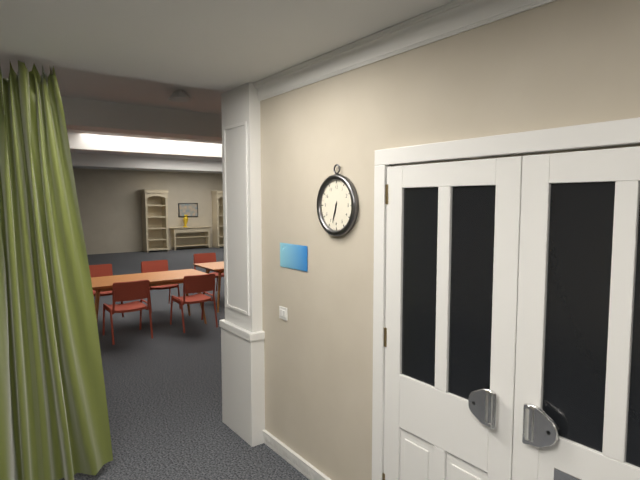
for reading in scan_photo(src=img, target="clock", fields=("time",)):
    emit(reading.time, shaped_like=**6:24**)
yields **6:33**
